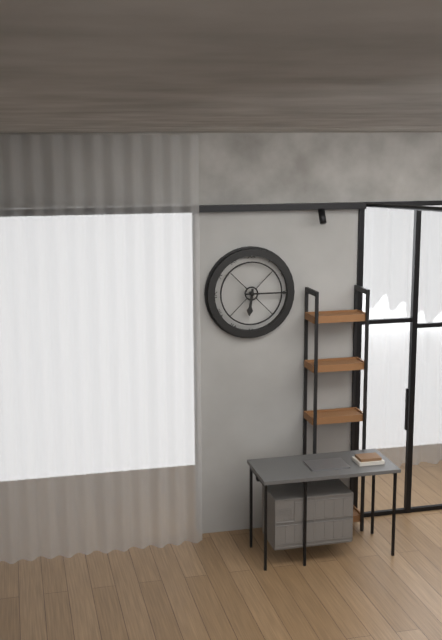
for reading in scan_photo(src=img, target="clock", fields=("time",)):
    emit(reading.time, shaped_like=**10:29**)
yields **6:15**
